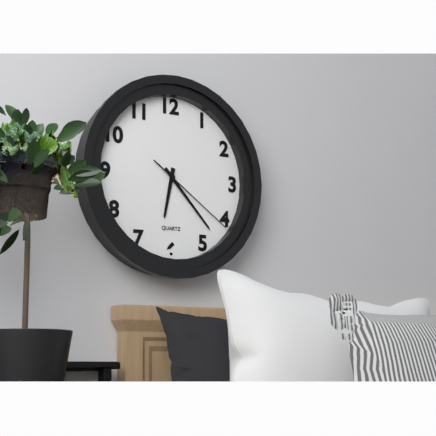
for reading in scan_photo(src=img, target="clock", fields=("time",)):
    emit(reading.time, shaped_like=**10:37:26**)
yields **6:23:21**
